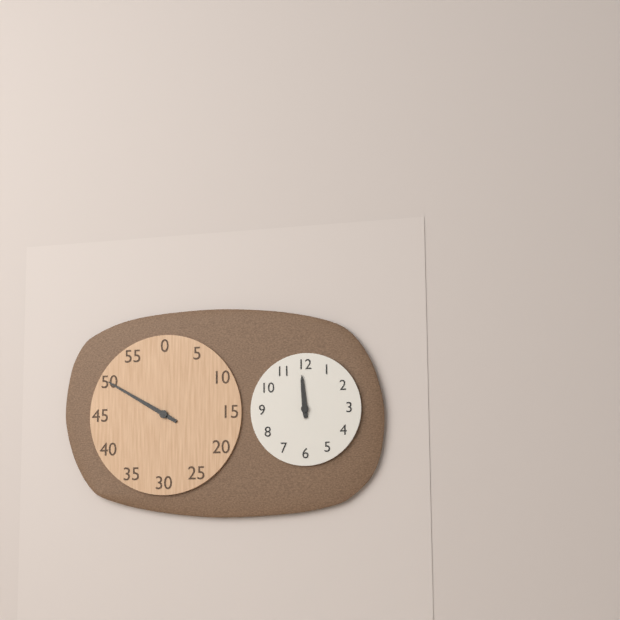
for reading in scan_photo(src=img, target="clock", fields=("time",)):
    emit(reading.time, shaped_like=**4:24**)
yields **11:50**
